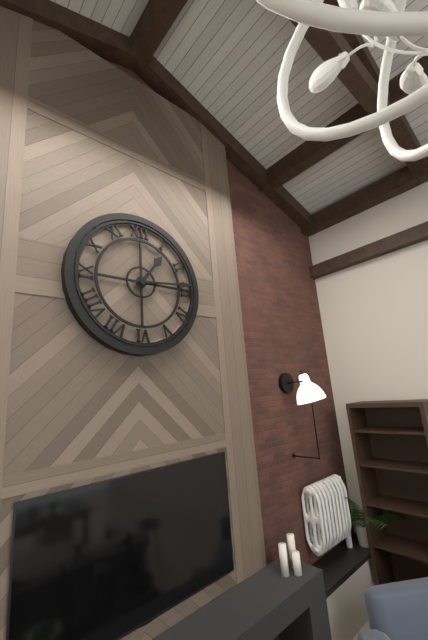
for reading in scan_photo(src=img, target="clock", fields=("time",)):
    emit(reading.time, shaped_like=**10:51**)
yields **1:14**
